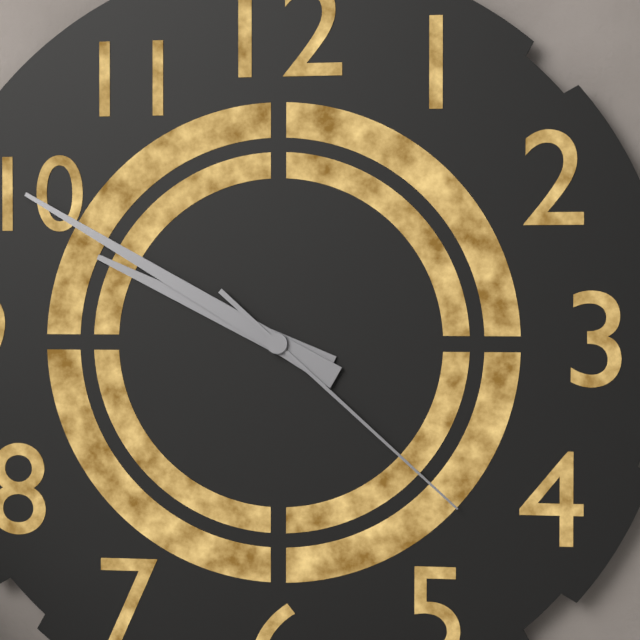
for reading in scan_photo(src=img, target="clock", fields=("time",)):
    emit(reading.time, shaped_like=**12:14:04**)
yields **9:50:22**
